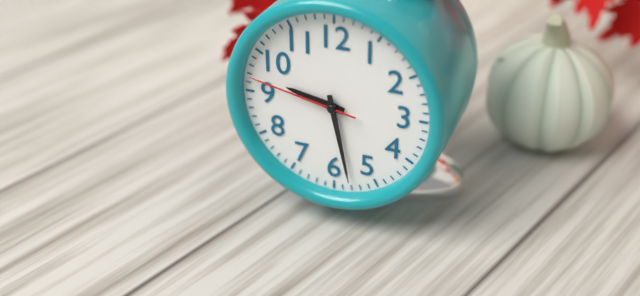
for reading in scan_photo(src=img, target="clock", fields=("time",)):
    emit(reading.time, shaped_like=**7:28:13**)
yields **9:28:47**
